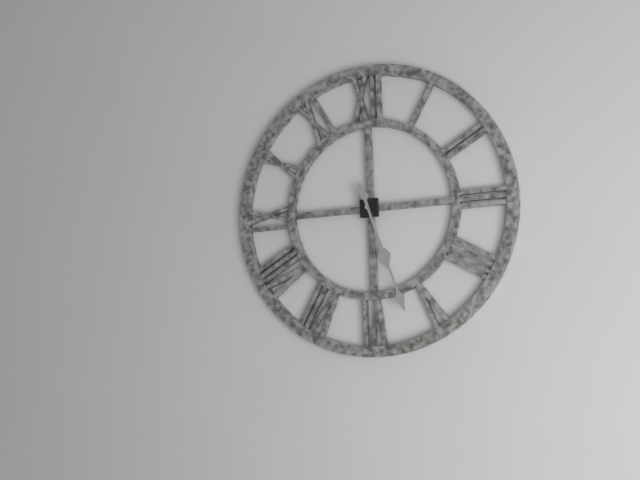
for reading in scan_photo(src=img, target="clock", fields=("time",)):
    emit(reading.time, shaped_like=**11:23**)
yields **5:27**
